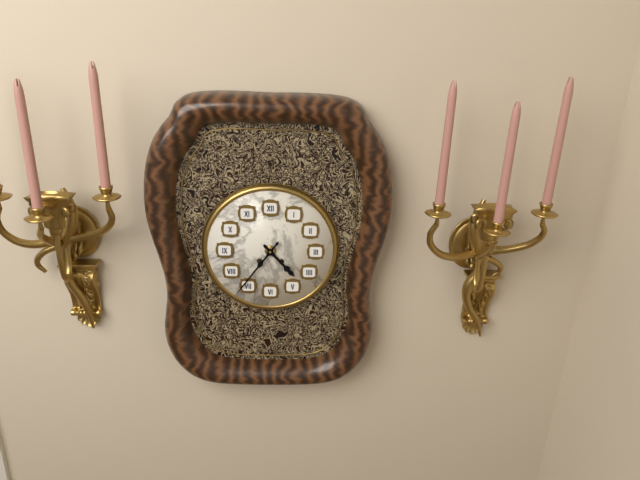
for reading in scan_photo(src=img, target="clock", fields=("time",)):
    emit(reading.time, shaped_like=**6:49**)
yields **4:36**
